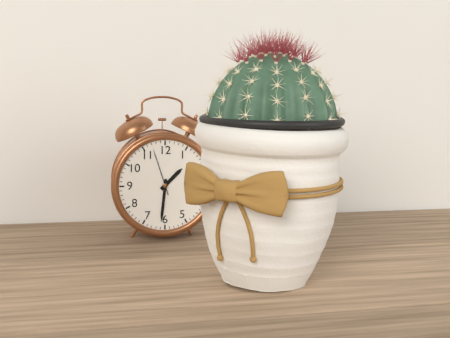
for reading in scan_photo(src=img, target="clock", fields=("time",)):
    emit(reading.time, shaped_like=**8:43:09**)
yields **1:31:57**
